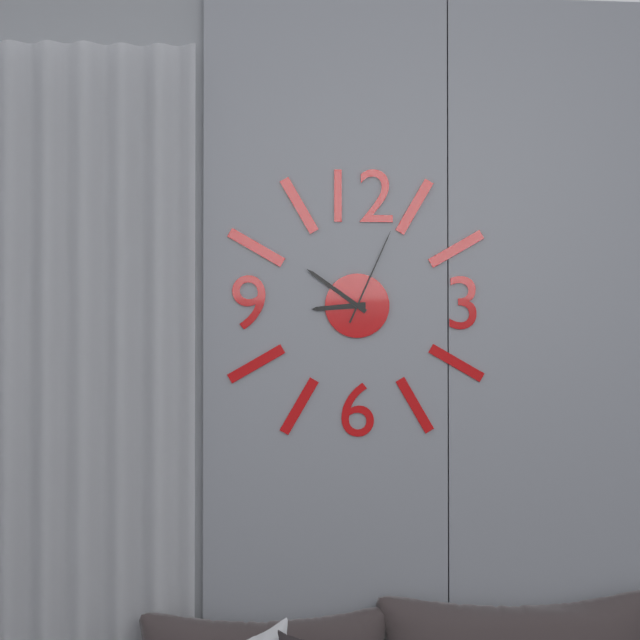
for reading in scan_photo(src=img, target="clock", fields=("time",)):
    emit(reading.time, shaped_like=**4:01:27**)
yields **8:51:04**
